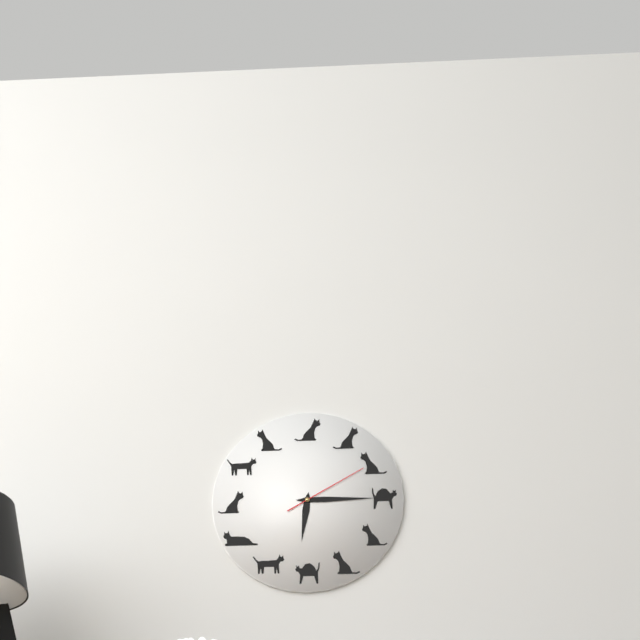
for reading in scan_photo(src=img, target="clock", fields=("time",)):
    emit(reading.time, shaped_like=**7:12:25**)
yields **6:15:10**
